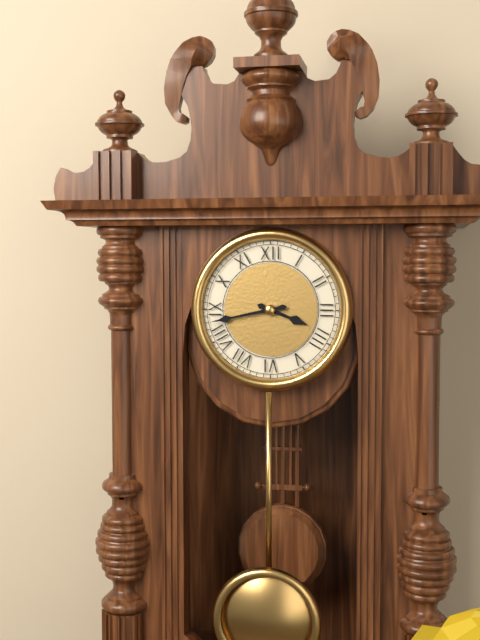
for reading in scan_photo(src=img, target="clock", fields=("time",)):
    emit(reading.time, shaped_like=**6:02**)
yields **3:43**
